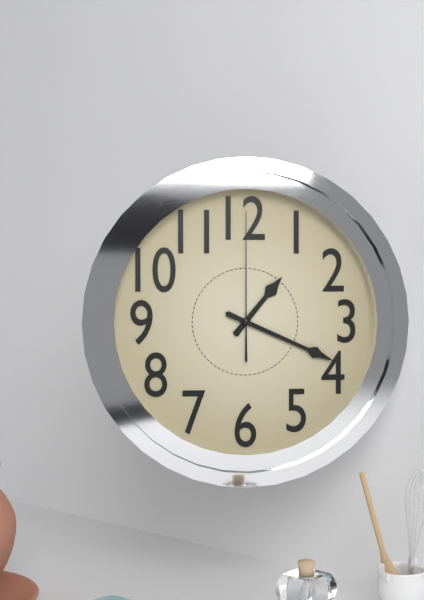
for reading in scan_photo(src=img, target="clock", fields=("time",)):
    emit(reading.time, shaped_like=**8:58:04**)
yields **1:19:00**
